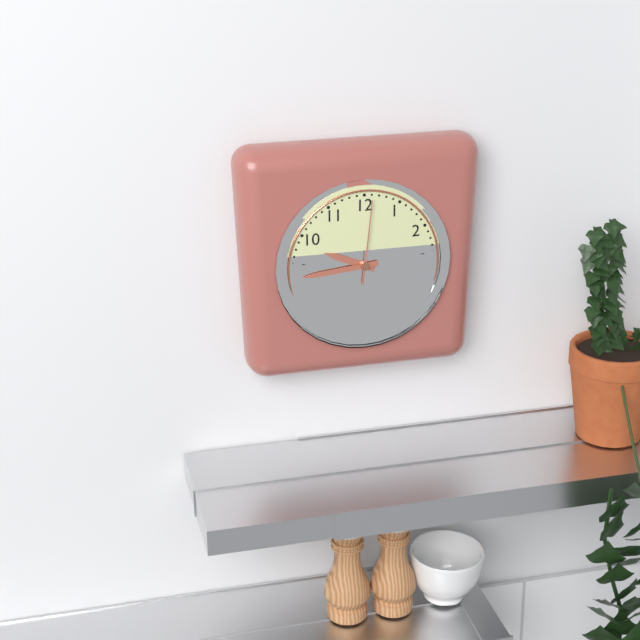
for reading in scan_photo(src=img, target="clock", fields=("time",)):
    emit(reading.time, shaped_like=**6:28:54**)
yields **9:44:01**
